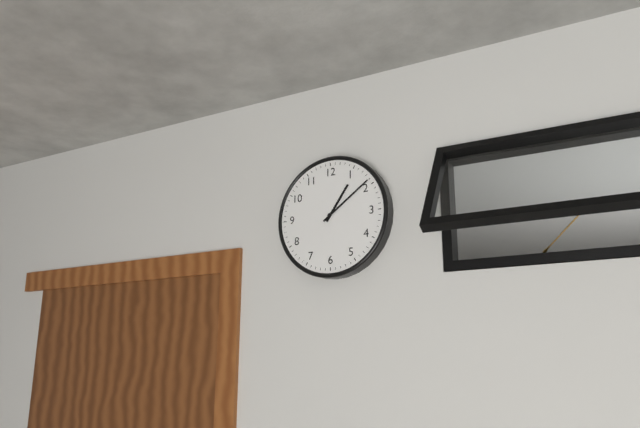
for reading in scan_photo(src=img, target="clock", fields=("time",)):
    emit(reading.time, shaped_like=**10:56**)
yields **1:09**
